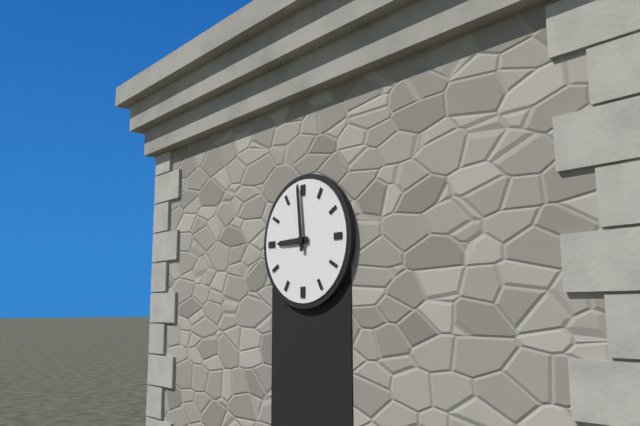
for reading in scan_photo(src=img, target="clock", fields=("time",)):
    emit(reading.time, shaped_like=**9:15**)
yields **8:59**
